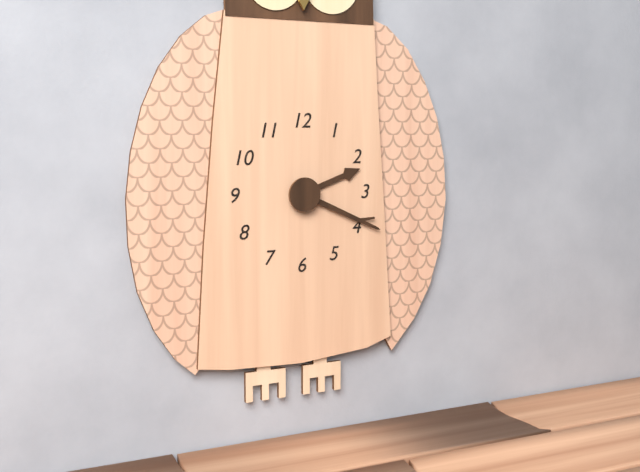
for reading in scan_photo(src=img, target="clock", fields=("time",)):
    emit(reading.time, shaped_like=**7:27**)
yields **2:19**
